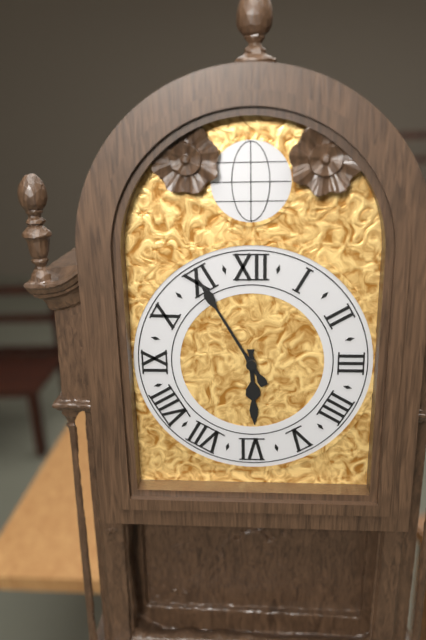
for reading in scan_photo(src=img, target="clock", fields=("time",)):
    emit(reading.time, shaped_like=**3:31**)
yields **5:55**
